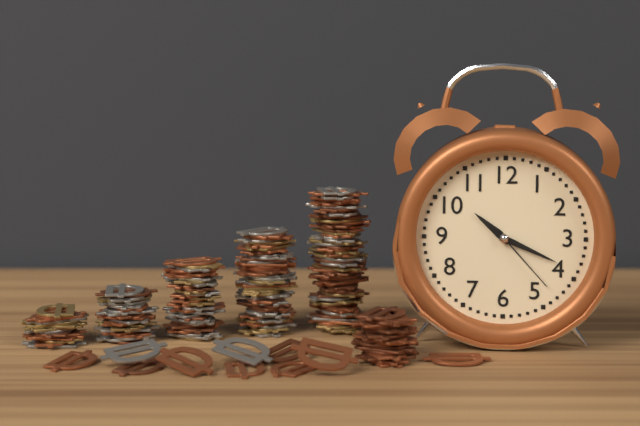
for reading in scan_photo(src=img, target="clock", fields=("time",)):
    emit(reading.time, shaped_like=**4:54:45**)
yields **10:19:23**
